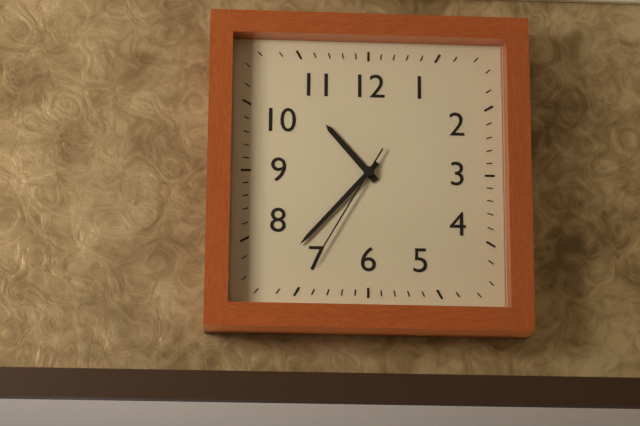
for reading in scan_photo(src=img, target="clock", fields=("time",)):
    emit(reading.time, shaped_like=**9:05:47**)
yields **10:37:35**
